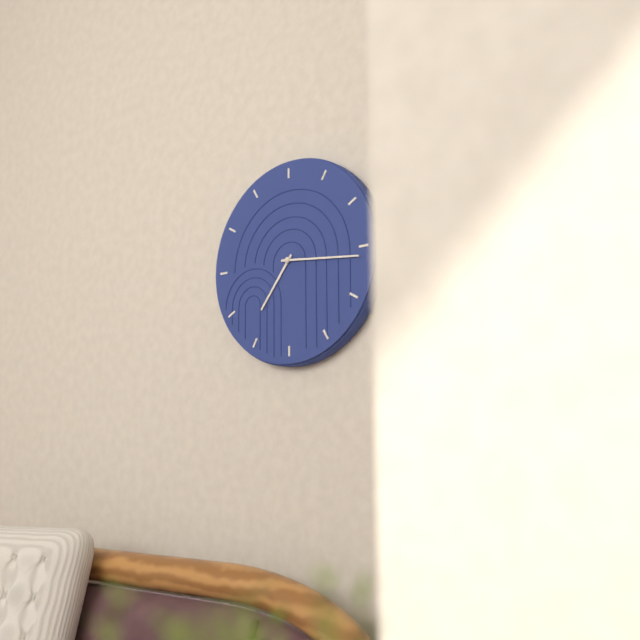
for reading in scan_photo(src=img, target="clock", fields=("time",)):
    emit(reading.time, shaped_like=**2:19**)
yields **7:16**
